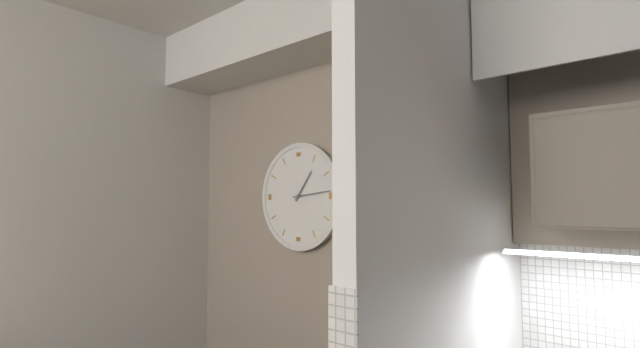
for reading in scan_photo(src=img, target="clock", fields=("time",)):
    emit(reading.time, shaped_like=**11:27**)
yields **1:14**
